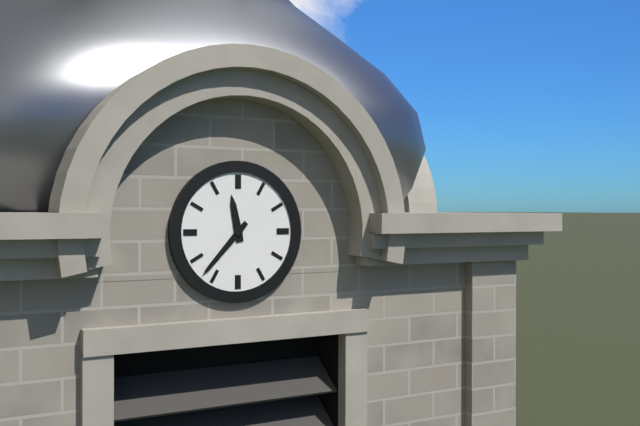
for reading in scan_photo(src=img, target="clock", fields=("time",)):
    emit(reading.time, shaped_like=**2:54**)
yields **11:37**
